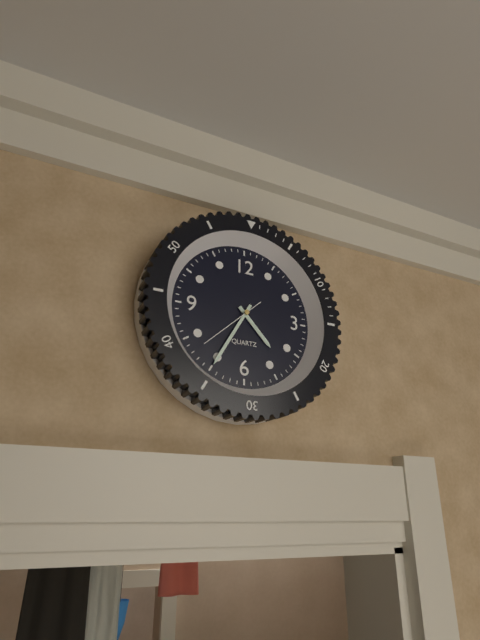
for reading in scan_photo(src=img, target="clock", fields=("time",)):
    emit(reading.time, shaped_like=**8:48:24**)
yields **4:35:38**
